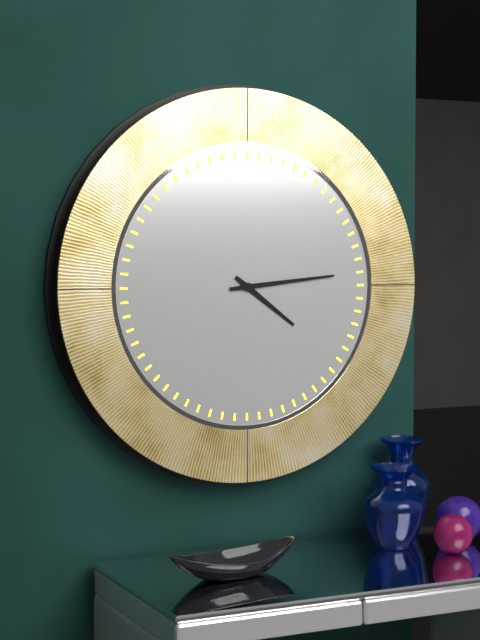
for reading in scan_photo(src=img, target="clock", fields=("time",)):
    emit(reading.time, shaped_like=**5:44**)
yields **4:14**
